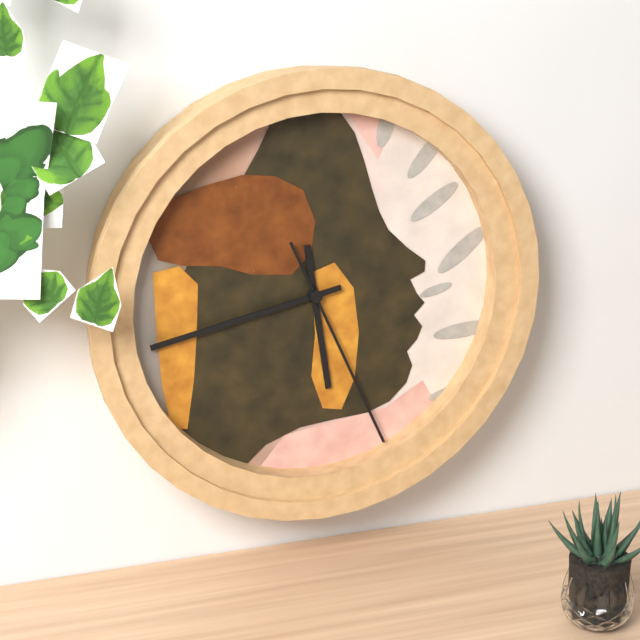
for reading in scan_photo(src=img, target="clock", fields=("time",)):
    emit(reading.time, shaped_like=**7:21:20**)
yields **5:43:26**
